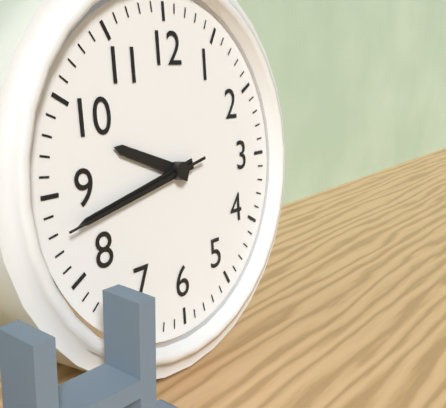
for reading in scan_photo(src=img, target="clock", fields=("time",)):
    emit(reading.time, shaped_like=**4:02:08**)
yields **9:43:43**
